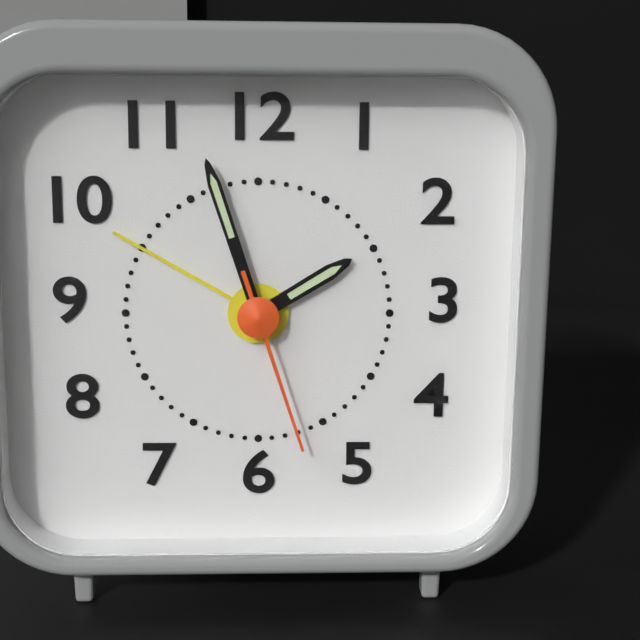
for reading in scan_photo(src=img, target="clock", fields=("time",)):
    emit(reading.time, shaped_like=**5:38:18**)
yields **1:57:27**
